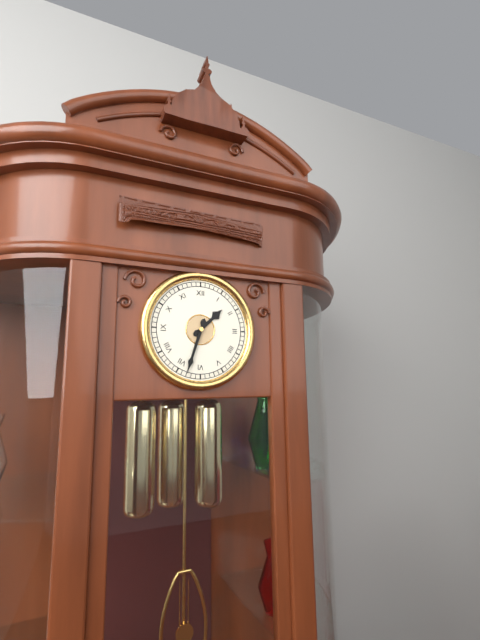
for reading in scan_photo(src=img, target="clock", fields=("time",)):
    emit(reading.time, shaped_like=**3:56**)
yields **1:33**
